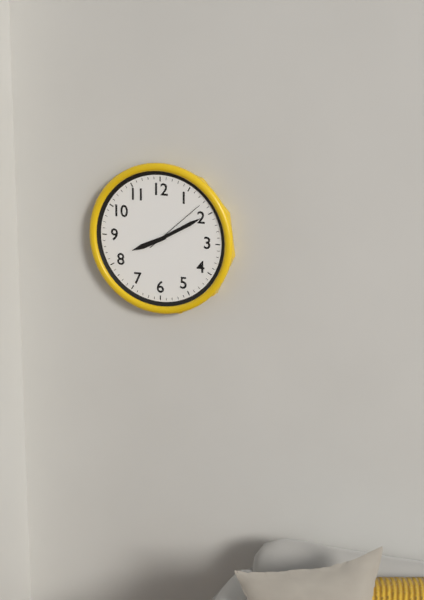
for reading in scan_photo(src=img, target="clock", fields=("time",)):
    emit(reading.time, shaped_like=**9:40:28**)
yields **8:10:08**
